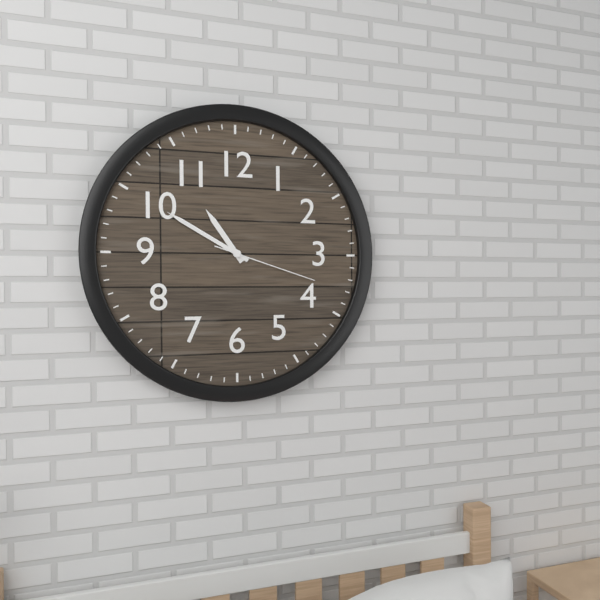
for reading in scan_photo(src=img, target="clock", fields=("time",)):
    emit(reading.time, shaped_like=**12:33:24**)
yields **10:50:18**
